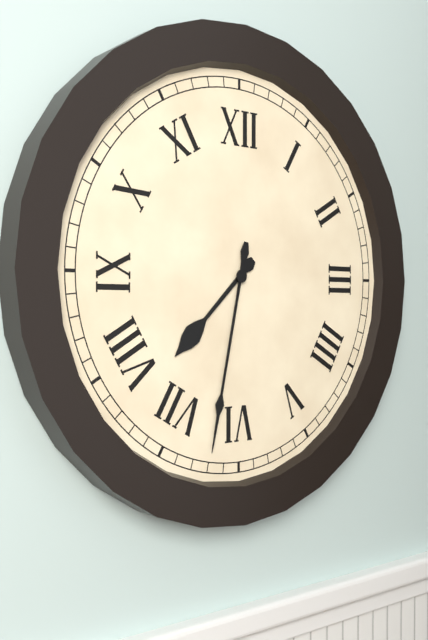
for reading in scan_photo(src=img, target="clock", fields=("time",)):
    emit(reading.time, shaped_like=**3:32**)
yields **7:32**
